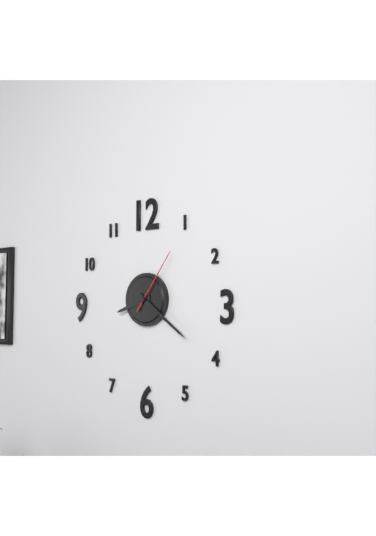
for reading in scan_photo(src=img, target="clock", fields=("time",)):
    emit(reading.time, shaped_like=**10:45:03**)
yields **8:21:06**
